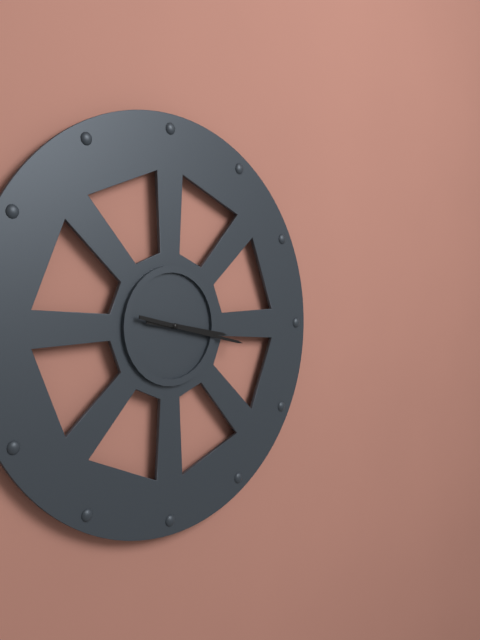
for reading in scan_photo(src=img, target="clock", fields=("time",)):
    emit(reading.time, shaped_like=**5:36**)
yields **3:17**
